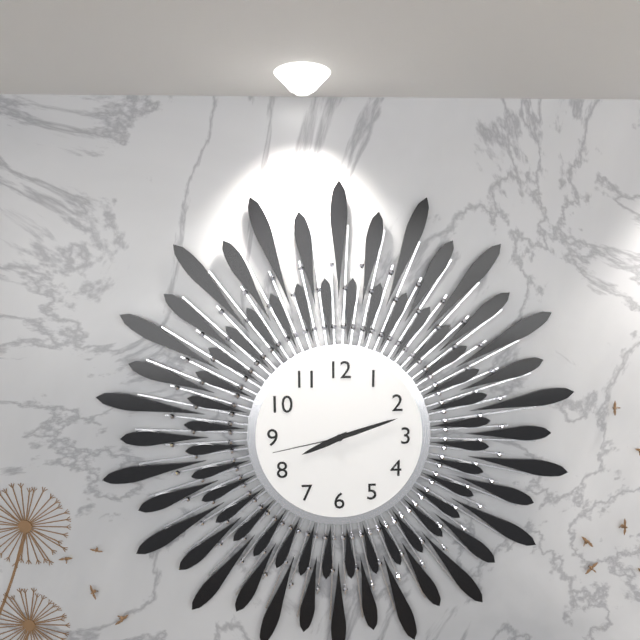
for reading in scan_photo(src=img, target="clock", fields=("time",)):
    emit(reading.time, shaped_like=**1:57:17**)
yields **8:12:43**
